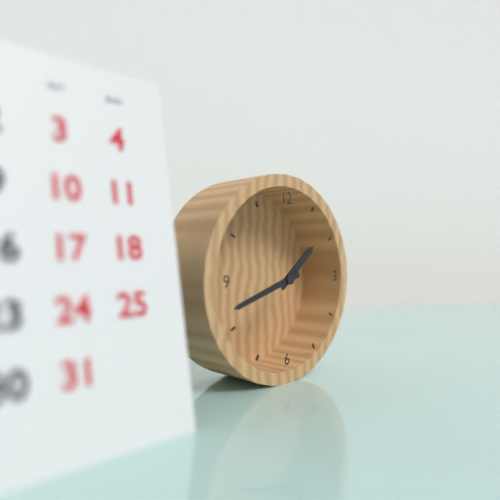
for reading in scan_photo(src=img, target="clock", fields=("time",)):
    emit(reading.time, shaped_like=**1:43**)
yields **1:42**
